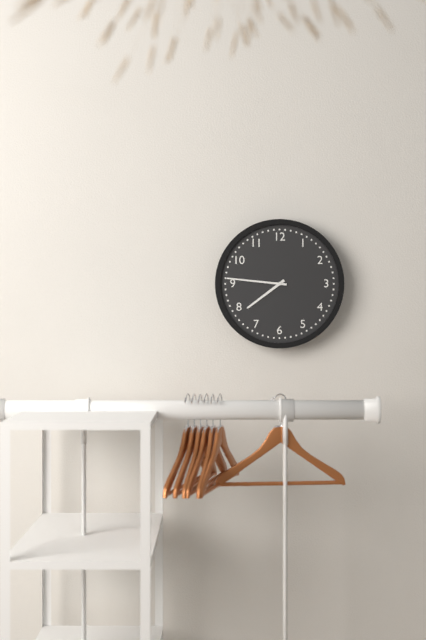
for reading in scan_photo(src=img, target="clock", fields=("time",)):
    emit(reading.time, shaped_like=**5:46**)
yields **7:46**
